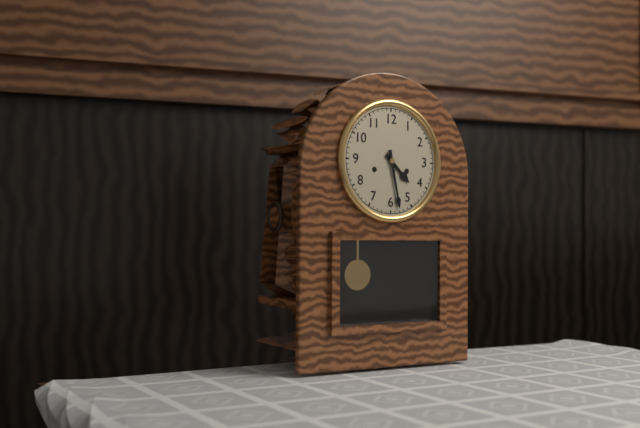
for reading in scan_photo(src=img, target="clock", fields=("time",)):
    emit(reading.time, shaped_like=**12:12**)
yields **4:28**
